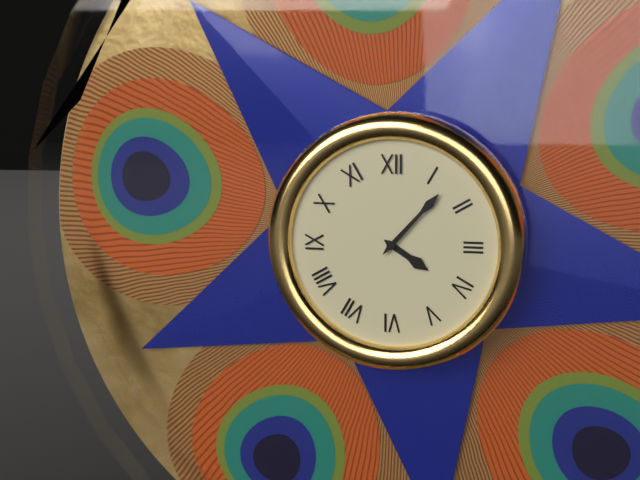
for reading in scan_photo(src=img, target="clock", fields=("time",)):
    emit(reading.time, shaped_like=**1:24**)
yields **4:07**
